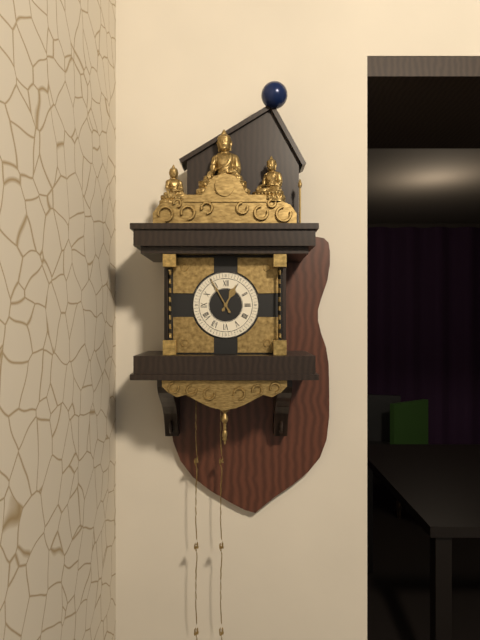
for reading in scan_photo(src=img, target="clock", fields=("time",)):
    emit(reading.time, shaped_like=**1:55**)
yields **12:55**
